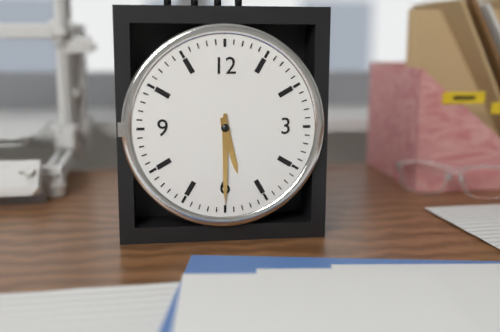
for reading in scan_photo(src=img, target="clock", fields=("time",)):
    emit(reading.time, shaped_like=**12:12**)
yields **5:30**
